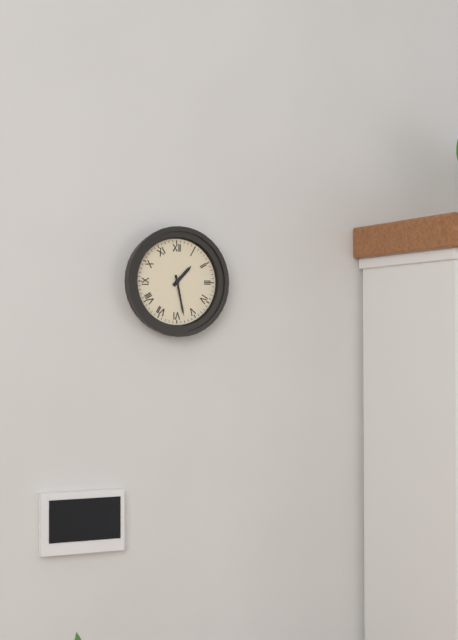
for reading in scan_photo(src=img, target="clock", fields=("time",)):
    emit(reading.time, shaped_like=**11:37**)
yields **1:28**
